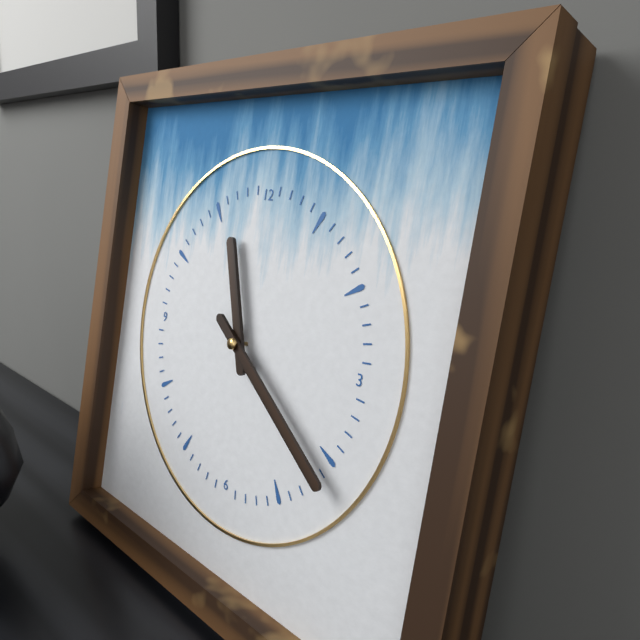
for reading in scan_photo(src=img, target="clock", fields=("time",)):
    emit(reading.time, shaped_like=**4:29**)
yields **11:21**
